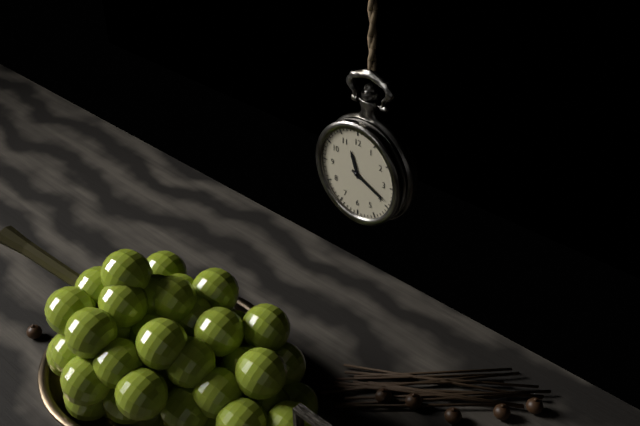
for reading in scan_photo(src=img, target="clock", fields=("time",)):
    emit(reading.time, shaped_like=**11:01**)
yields **11:19**
